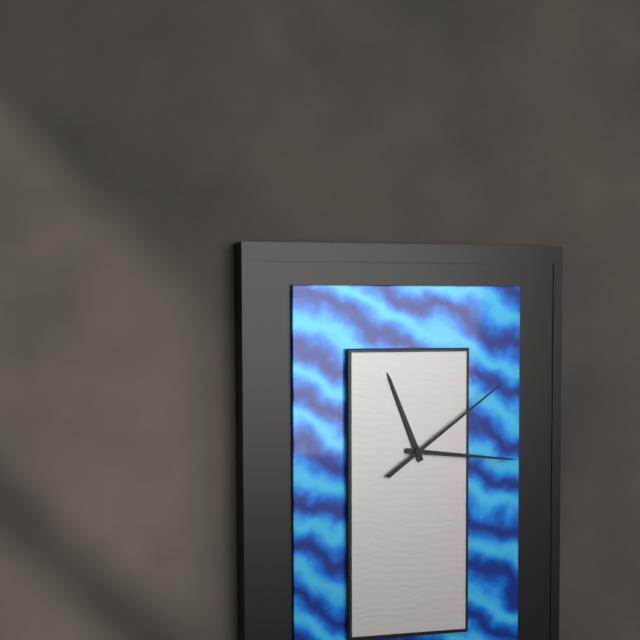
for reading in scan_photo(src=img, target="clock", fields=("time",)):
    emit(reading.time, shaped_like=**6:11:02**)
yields **11:16:09**
